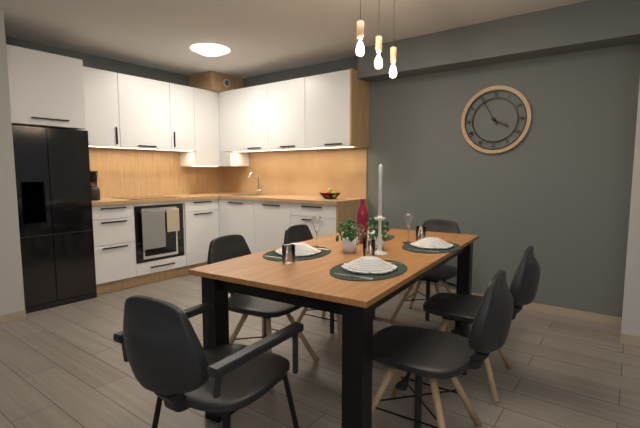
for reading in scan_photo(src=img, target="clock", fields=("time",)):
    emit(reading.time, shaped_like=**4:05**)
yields **3:55**
